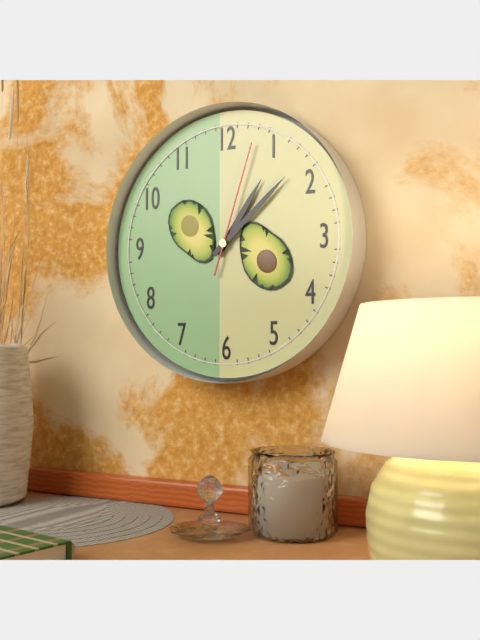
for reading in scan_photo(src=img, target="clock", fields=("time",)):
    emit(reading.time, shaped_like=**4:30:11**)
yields **1:08:03**
